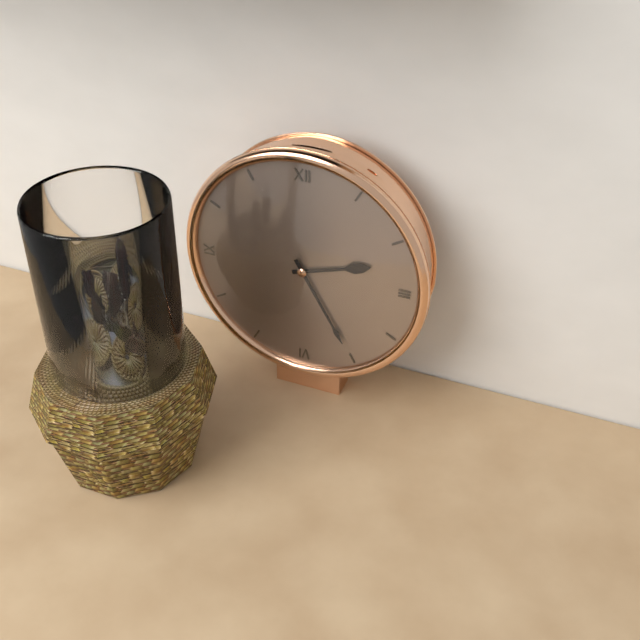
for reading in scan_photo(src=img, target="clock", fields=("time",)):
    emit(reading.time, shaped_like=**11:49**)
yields **2:25**
